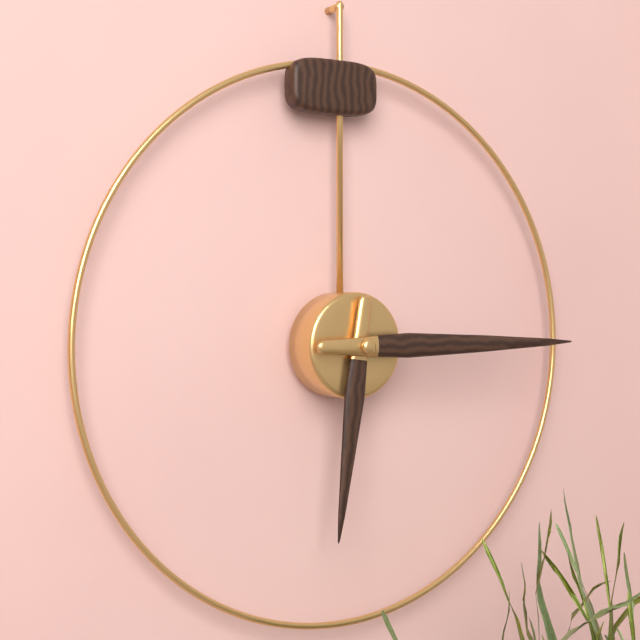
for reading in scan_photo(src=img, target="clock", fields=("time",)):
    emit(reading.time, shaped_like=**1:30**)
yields **6:15**
